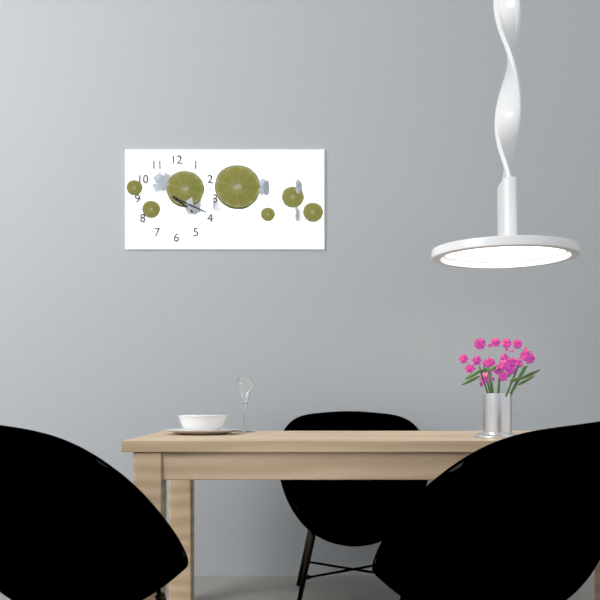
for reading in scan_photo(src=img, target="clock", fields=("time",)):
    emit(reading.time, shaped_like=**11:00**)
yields **4:19**
